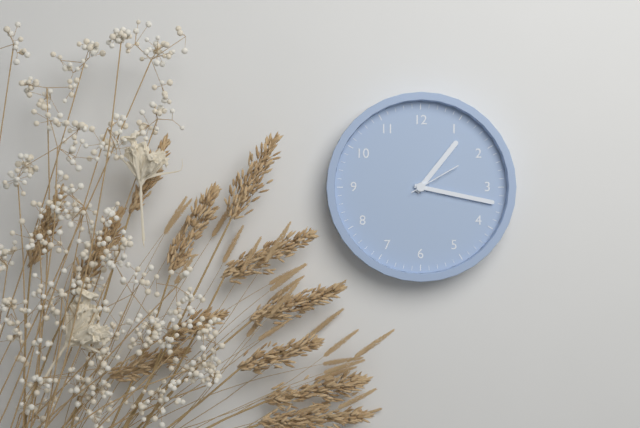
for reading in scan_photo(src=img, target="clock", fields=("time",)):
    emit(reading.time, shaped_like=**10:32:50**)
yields **1:17:10**
